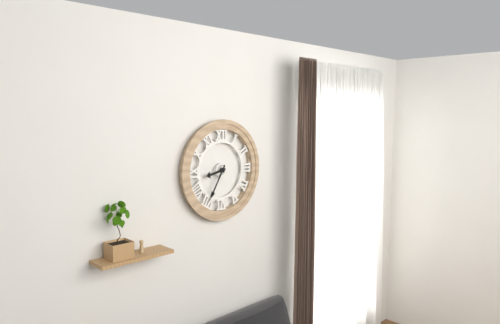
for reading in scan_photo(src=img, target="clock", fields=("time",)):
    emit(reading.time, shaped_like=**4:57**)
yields **8:35**
